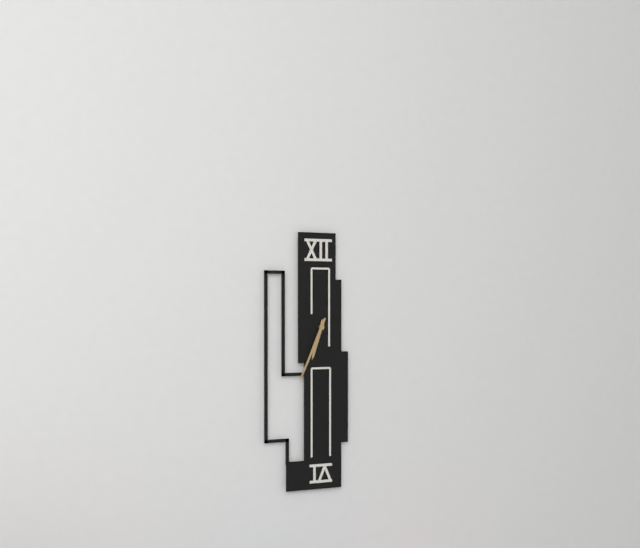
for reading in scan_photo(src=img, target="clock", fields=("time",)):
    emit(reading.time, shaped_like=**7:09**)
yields **6:34**
